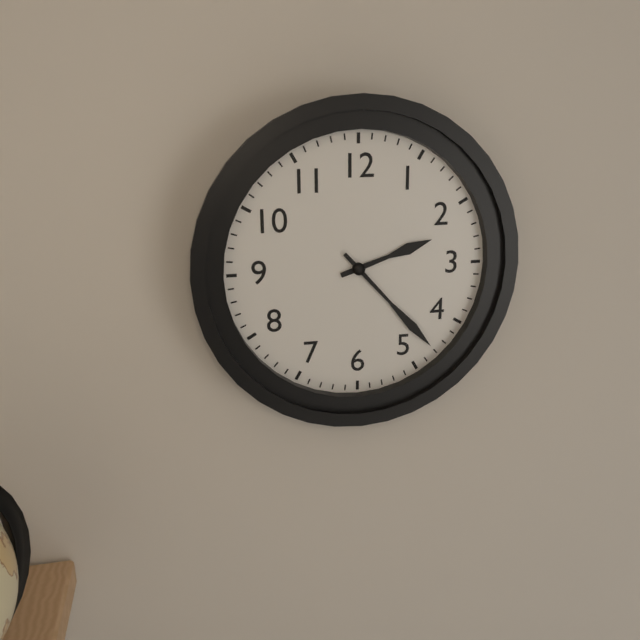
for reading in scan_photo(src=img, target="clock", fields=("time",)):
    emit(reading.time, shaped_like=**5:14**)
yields **2:23**
